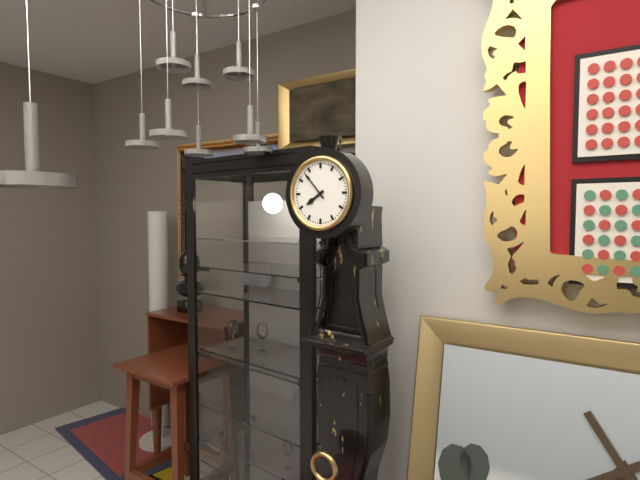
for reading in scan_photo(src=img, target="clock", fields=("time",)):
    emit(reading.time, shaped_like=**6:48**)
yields **7:53**
